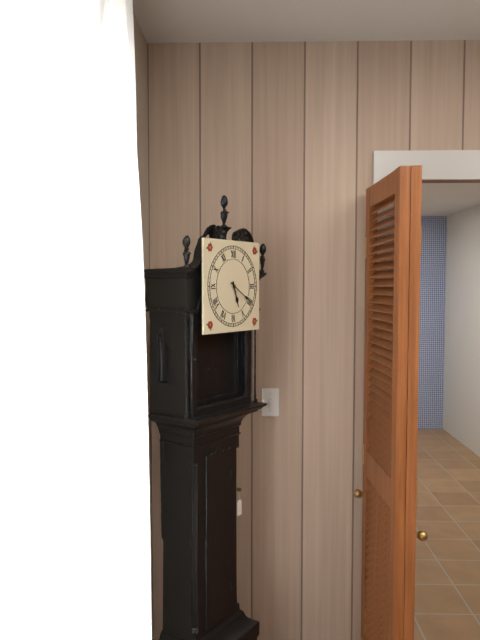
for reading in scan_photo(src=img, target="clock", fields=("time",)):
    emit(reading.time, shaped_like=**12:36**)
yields **5:20**
